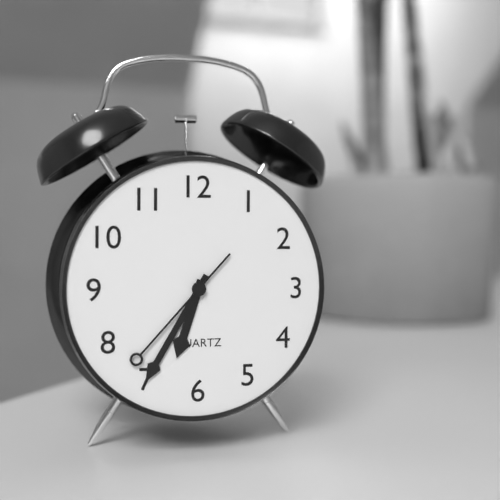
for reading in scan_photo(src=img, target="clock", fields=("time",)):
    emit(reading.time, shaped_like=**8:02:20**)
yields **6:35:37**
